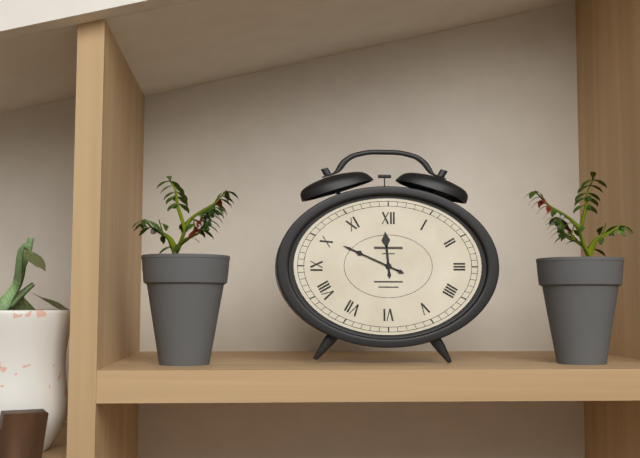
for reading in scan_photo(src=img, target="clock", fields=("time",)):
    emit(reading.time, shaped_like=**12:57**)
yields **11:49**
